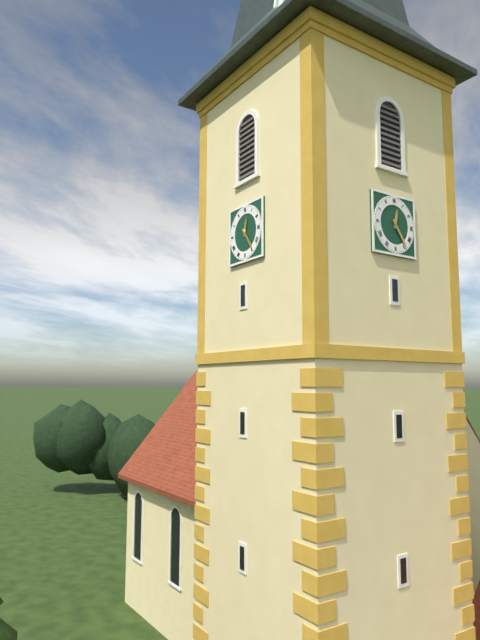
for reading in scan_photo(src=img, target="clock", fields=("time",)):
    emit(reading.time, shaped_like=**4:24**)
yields **12:24**
